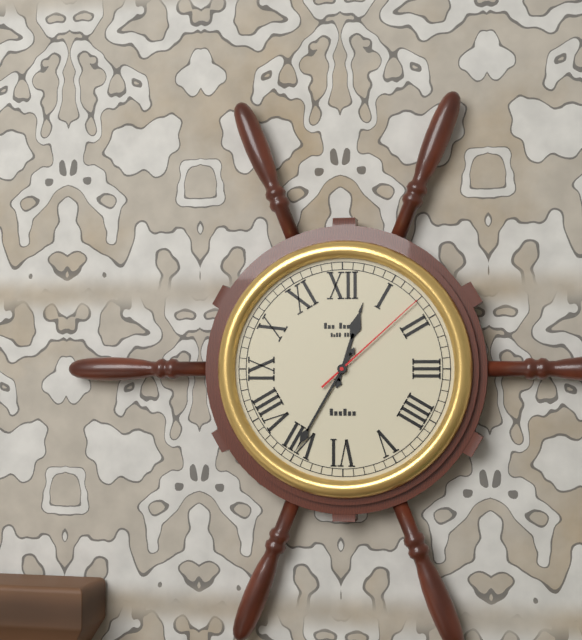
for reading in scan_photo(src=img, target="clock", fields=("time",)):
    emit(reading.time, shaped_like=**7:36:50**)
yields **12:35:08**
